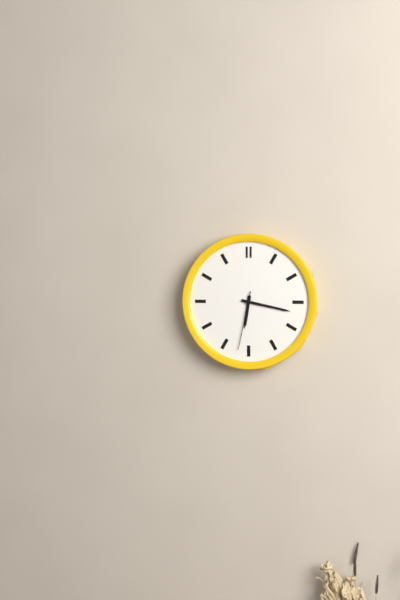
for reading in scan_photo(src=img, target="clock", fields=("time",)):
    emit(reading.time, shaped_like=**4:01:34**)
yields **6:17:32**
